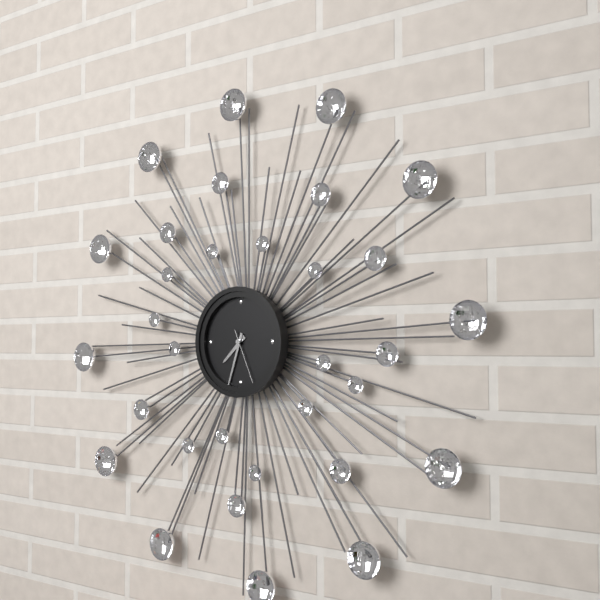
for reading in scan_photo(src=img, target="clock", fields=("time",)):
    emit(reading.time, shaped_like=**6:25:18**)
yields **7:33:26**
